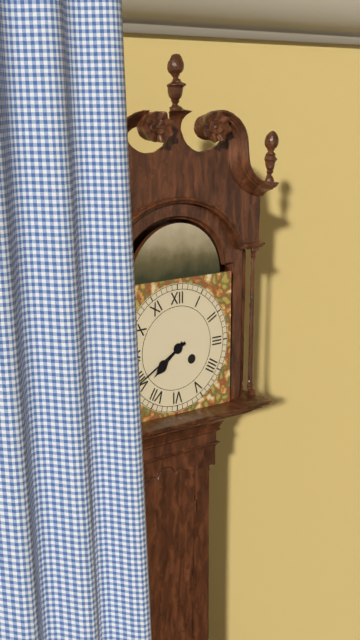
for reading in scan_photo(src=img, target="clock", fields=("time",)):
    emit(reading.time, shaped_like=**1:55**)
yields **7:40**
